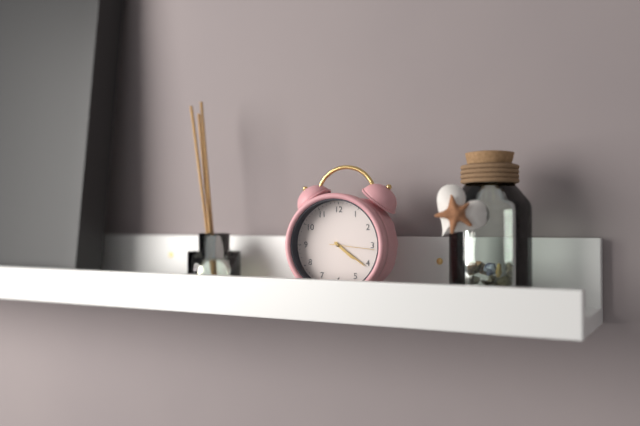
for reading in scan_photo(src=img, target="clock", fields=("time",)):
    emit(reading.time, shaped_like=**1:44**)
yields **4:21**
